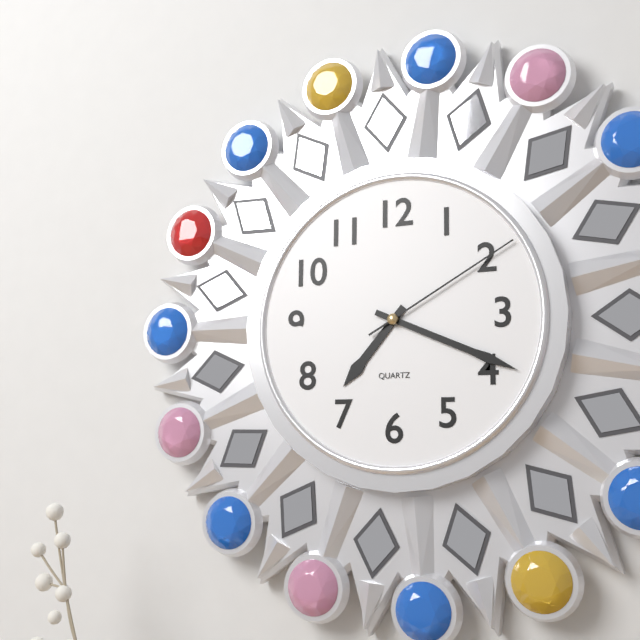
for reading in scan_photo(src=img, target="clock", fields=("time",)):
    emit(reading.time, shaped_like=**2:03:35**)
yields **7:19:10**
